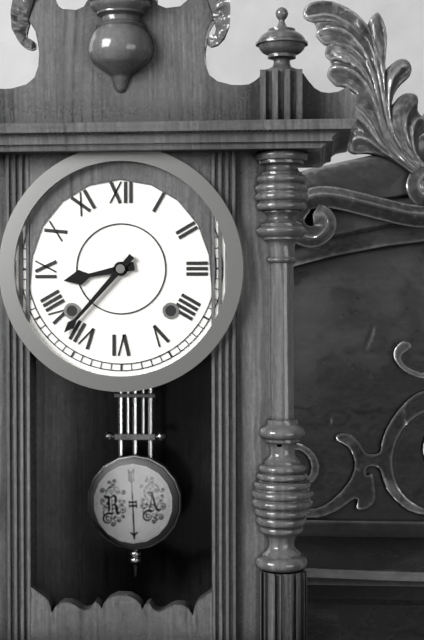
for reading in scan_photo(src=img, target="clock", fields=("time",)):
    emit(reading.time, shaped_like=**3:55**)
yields **8:37**
